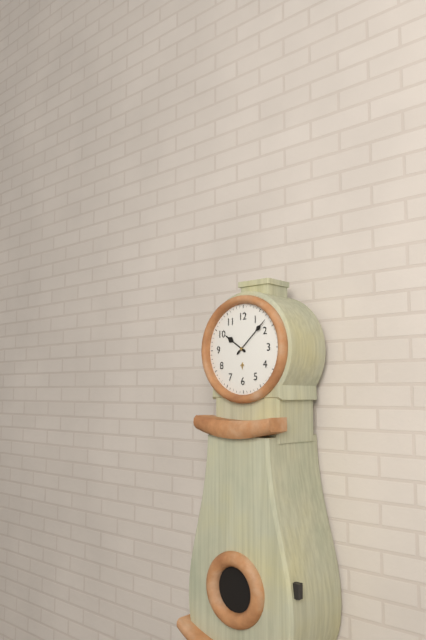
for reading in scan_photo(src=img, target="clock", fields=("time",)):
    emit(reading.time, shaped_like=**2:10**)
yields **10:08**
